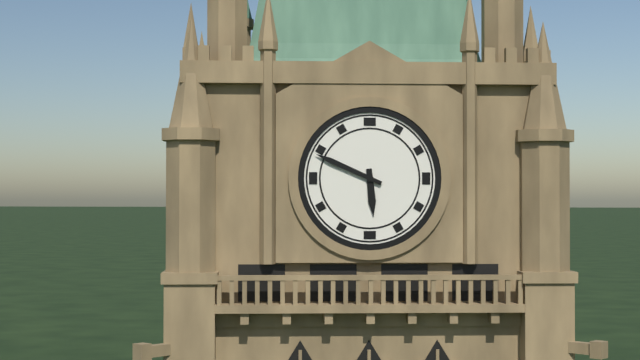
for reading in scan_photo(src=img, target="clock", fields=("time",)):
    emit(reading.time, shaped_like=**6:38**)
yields **5:49**
